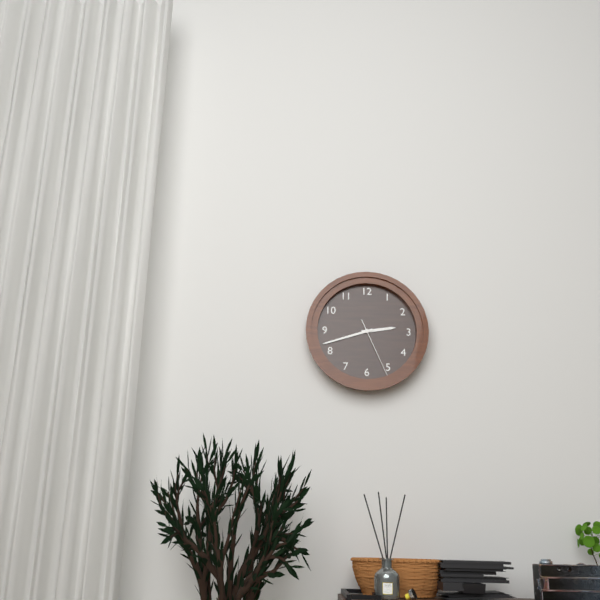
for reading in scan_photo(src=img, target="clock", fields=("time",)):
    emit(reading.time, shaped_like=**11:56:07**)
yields **2:42:26**
